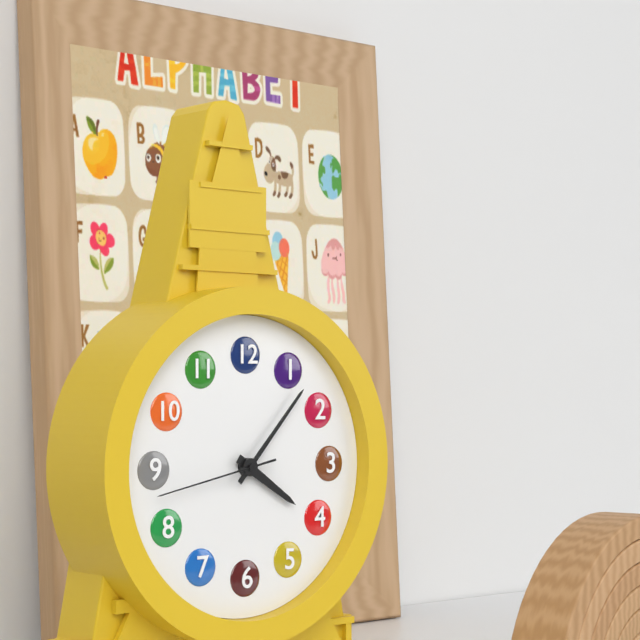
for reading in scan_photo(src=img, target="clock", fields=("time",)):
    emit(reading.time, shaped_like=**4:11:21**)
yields **4:07:43**
